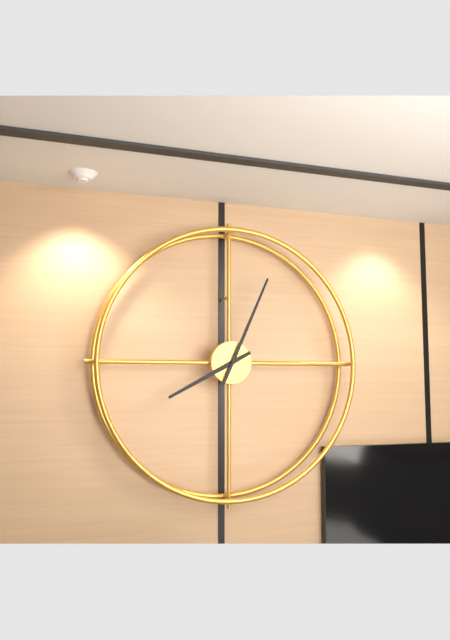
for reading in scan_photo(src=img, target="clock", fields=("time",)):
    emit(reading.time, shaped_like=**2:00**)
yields **8:04**
